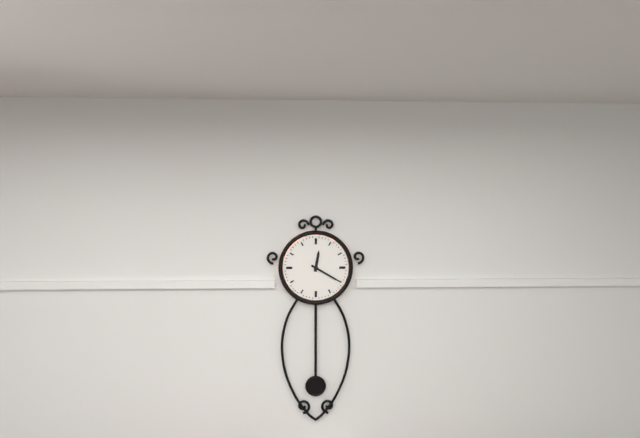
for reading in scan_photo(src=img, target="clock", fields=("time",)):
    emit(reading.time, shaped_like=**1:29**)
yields **12:20**
